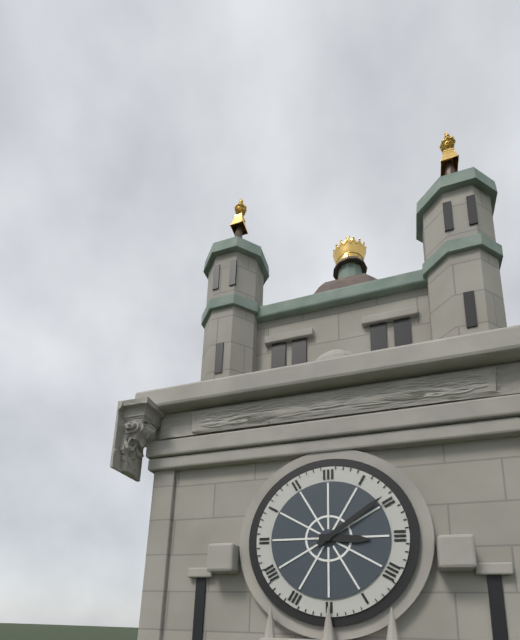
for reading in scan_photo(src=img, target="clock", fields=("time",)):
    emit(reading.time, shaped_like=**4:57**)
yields **3:09**
